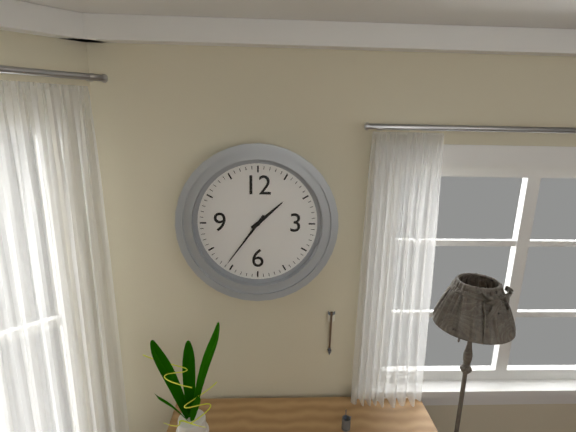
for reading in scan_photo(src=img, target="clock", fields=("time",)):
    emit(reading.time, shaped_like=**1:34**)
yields **1:36**
